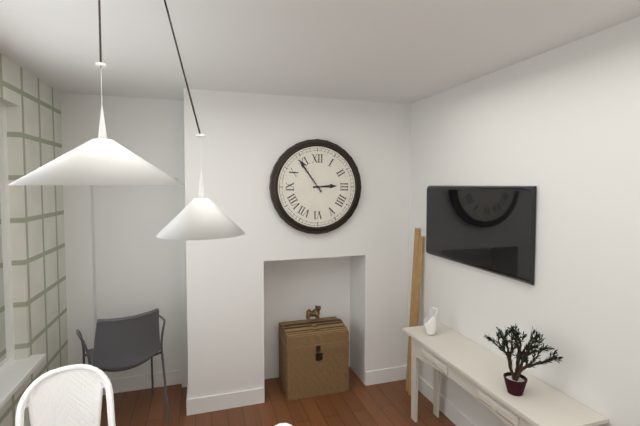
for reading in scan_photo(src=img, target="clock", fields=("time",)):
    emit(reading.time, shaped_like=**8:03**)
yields **2:54**
